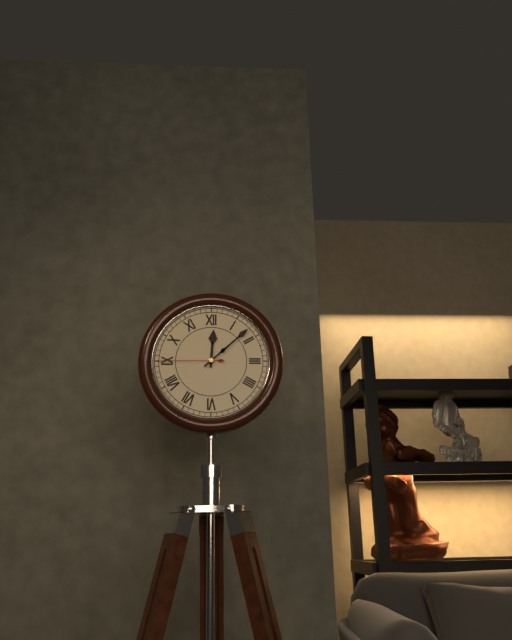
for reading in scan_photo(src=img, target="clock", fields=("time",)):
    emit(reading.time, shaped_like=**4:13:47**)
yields **12:08:45**
